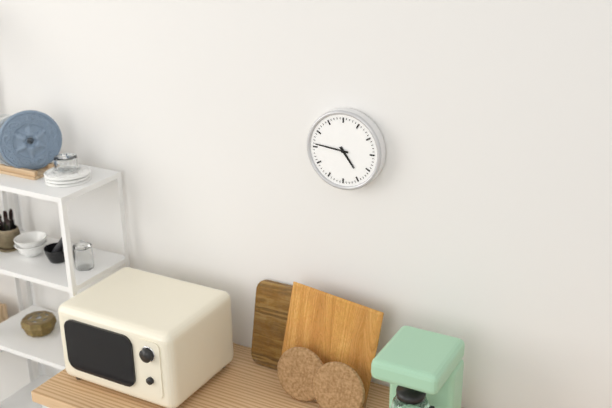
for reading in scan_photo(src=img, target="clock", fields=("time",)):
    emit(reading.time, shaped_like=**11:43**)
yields **4:46**
